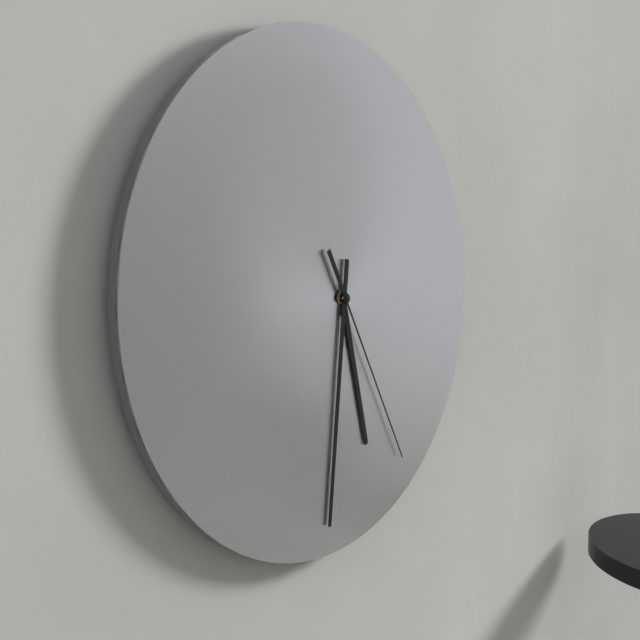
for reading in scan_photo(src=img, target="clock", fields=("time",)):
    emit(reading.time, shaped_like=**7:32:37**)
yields **5:31:25**
